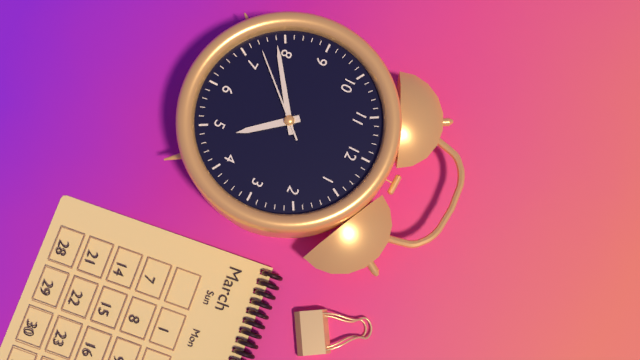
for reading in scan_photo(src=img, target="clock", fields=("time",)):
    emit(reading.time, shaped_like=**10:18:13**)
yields **4:39:37**
